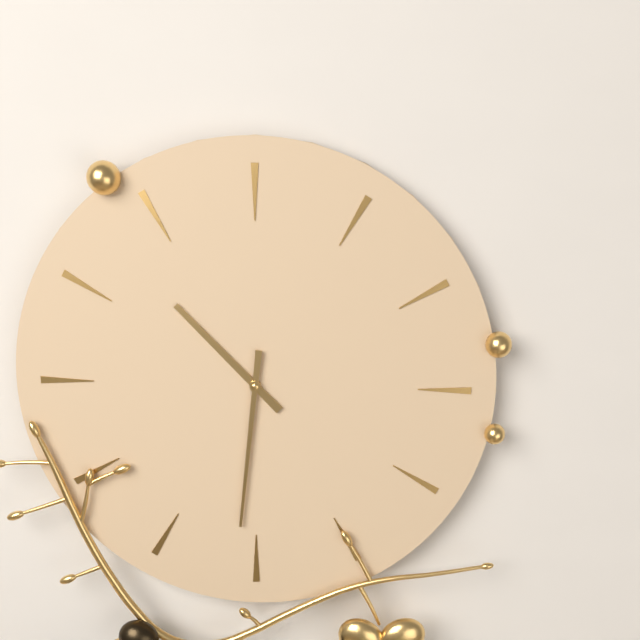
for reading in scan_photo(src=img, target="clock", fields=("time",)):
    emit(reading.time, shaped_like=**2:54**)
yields **10:31**
